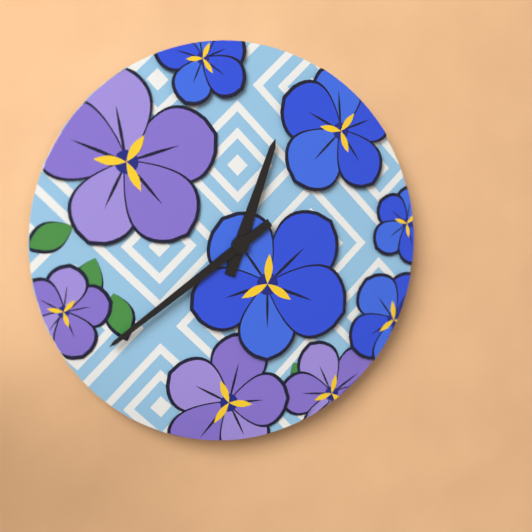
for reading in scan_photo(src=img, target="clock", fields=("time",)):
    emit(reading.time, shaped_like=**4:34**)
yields **12:39**
